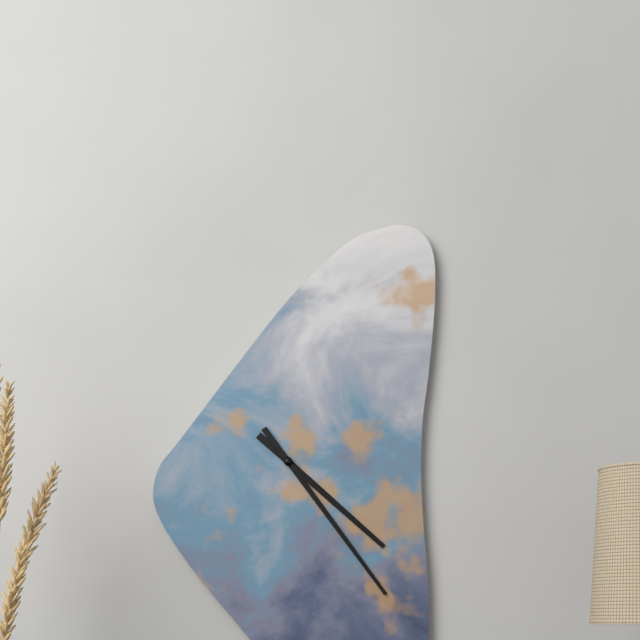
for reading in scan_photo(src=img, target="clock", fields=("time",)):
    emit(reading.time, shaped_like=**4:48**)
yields **4:24**
